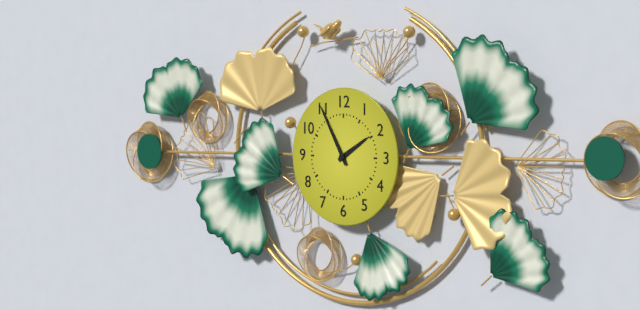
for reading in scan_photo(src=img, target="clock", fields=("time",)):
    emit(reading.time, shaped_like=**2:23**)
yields **1:55**
